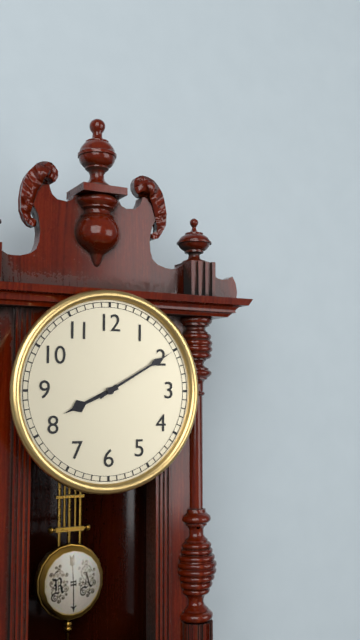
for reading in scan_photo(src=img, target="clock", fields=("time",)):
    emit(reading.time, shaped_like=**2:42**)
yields **8:10**
